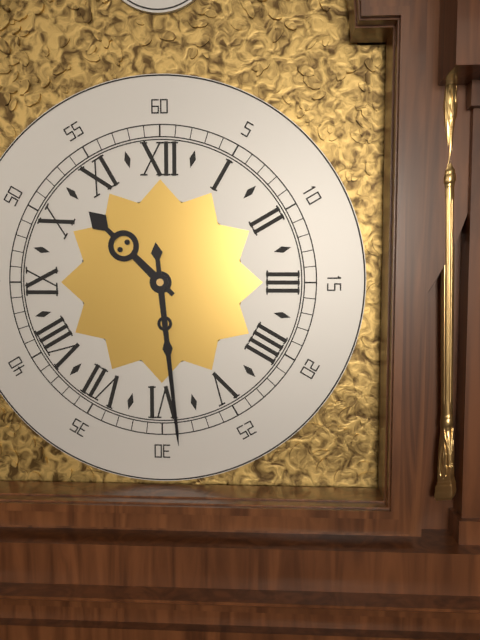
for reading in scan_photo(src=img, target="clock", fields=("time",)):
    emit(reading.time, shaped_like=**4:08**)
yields **10:29**
